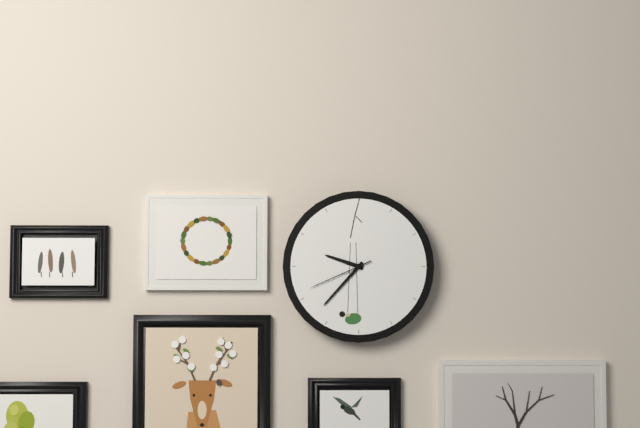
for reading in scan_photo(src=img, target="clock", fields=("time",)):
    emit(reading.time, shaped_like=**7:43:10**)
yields **9:37:41**
